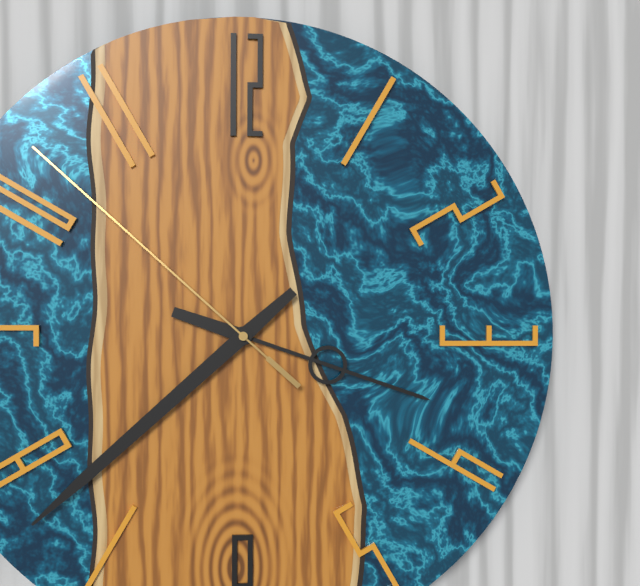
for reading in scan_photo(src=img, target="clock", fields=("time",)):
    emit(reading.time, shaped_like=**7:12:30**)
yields **3:38:52**
